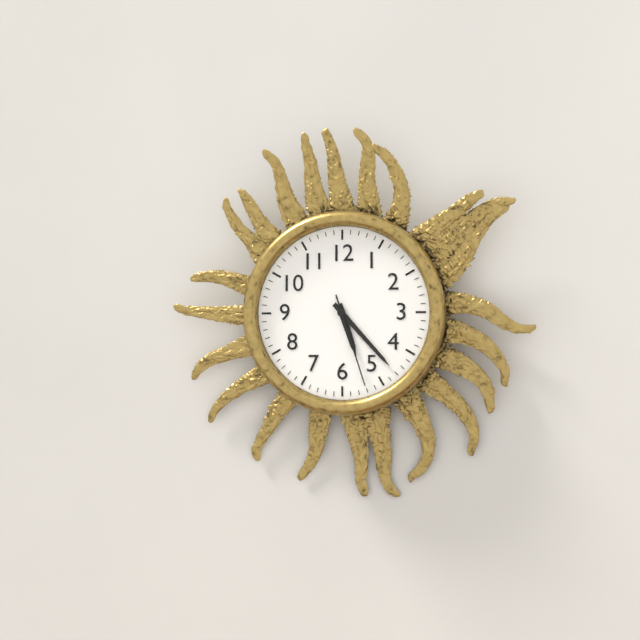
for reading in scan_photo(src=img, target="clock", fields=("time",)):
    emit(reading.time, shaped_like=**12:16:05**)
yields **5:23:27**
